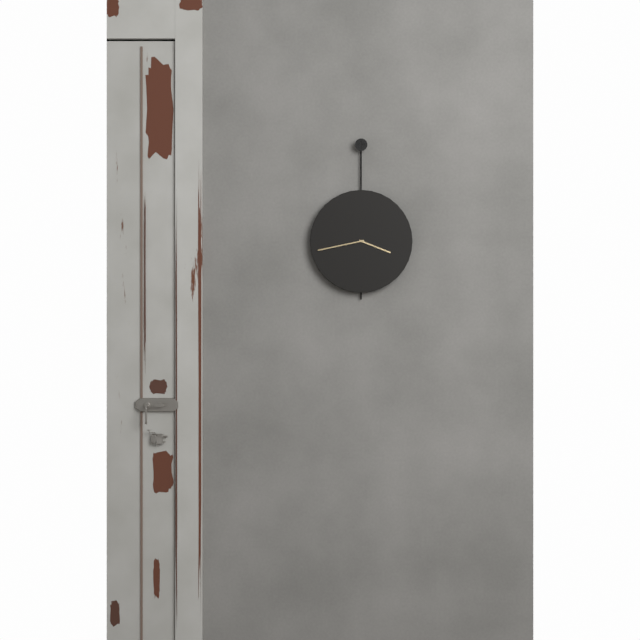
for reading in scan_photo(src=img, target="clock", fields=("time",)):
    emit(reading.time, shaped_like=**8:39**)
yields **3:43**
